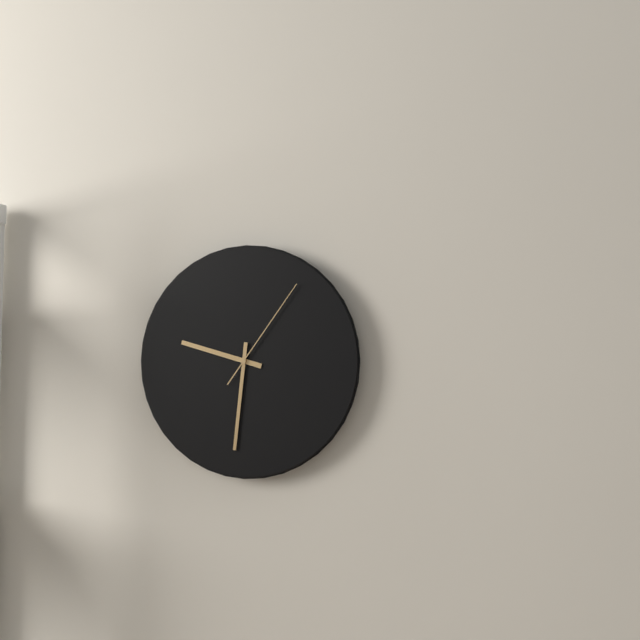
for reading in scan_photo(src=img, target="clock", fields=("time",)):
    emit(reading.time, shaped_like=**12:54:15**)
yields **9:31:06**
